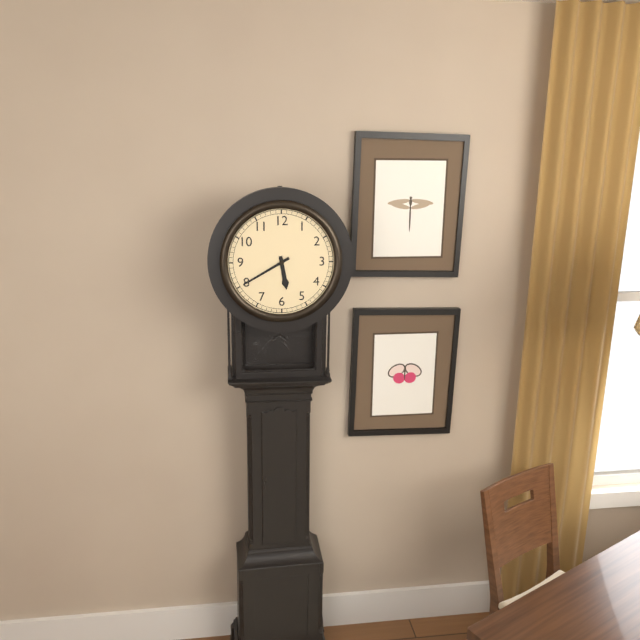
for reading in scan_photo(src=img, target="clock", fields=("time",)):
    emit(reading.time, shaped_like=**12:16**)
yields **5:40**
